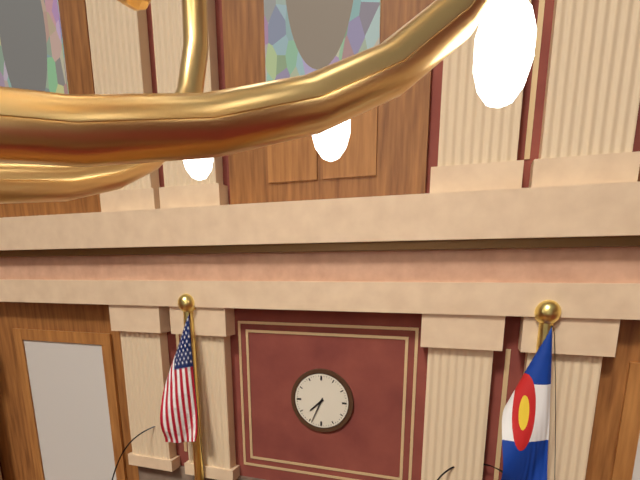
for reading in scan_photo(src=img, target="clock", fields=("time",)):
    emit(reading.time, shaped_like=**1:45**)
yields **7:34**
